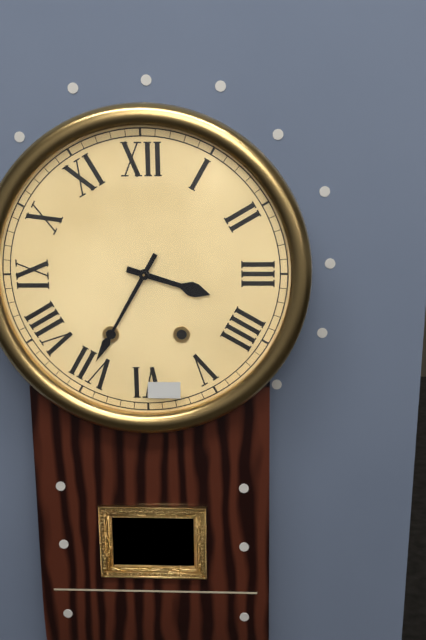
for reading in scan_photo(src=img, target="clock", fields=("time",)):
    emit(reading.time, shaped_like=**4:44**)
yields **3:35**
